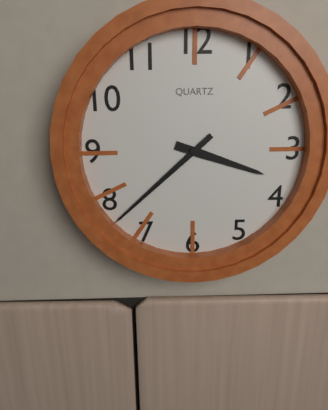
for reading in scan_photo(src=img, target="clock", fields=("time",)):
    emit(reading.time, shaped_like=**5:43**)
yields **3:38**
